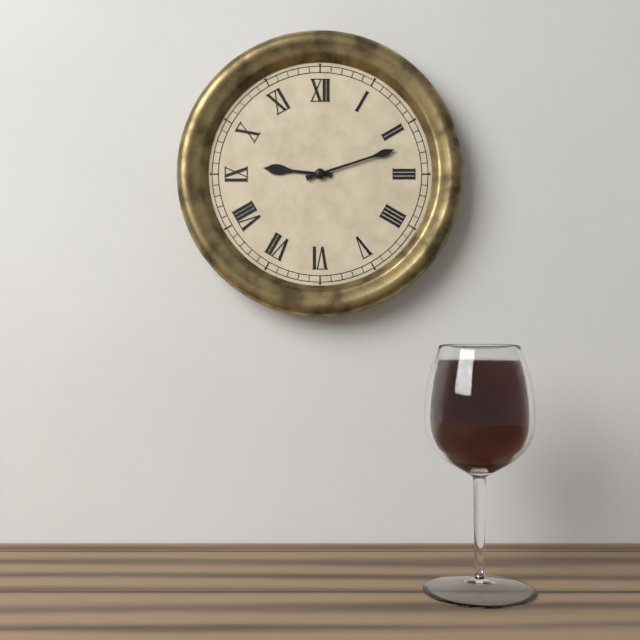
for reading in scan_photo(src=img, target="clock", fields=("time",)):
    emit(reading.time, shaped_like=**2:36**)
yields **9:12**
